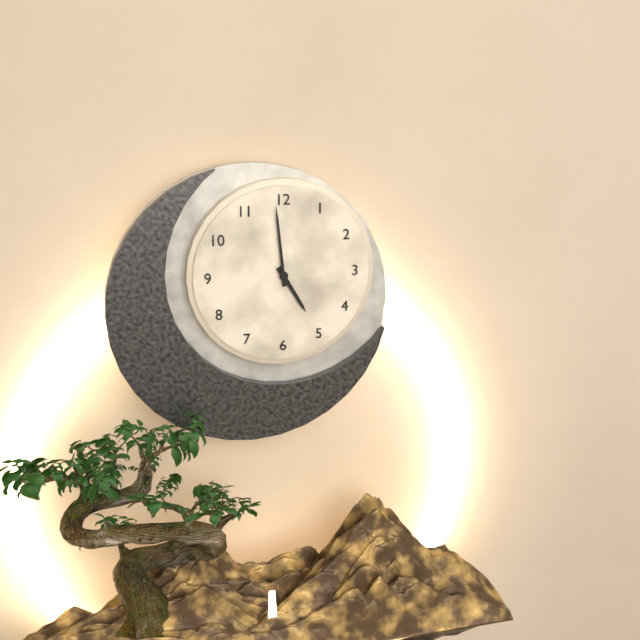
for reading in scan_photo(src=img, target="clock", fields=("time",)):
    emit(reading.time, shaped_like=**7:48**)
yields **4:59**
